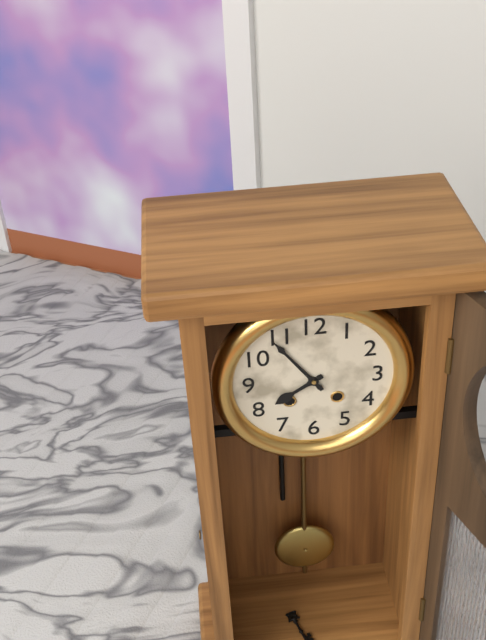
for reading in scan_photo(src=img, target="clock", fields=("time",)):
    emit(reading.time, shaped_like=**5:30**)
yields **7:54**
